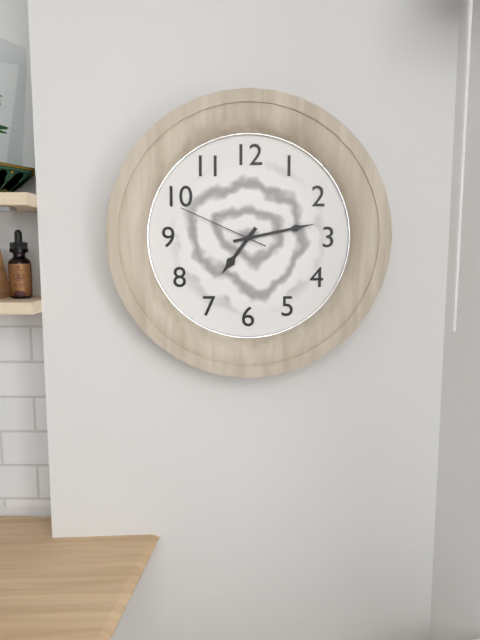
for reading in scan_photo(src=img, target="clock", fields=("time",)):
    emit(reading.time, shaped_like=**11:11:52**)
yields **7:13:49**
